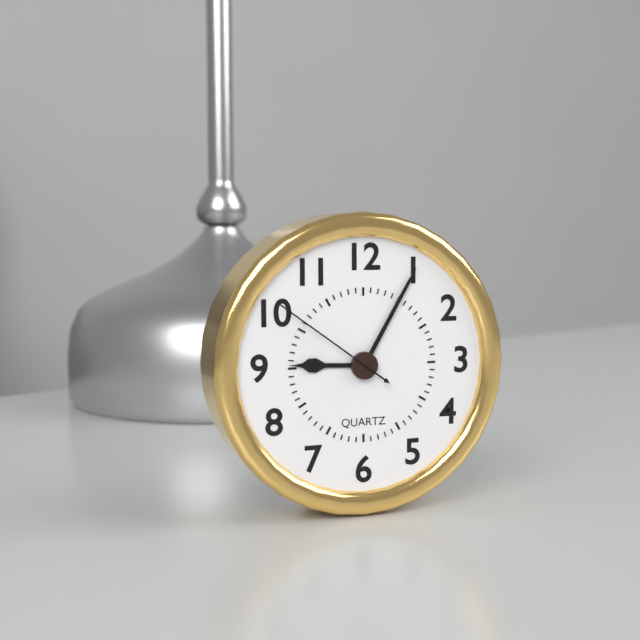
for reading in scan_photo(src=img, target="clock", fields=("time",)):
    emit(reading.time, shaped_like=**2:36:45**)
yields **9:05:51**
